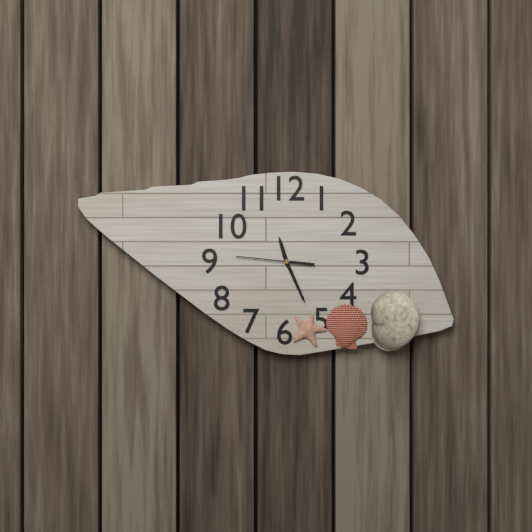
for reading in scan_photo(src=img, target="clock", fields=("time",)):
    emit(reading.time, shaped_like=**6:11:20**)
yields **11:26:46**
